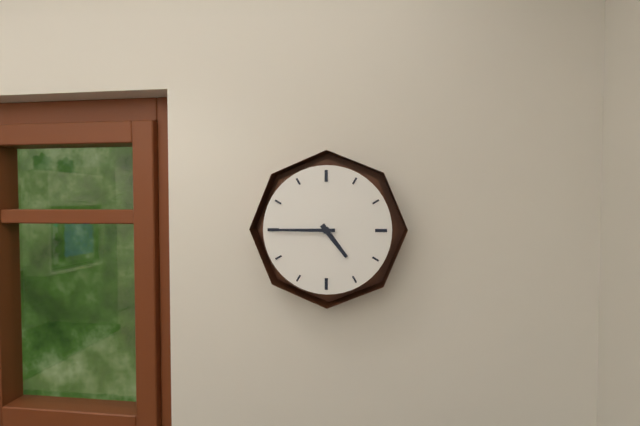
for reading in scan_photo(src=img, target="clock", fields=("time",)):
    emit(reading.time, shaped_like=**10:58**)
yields **4:45**
